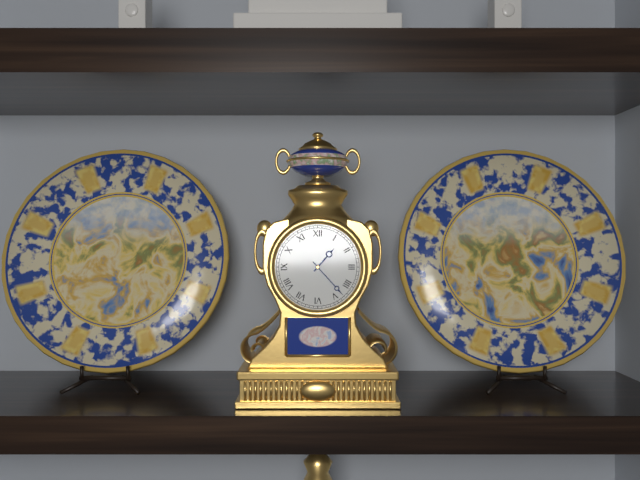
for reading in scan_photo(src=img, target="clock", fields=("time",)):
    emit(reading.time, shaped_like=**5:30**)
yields **1:23**
